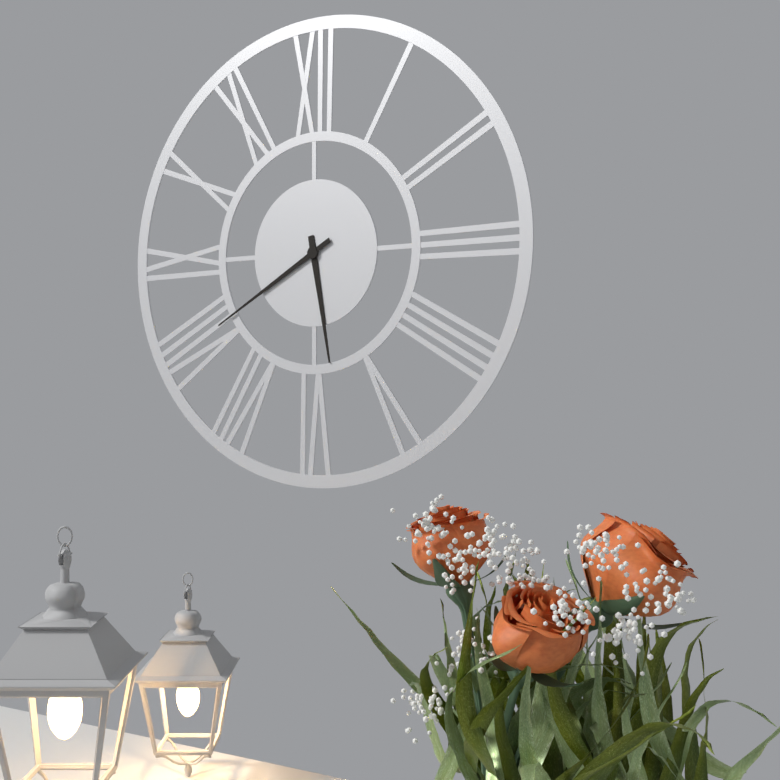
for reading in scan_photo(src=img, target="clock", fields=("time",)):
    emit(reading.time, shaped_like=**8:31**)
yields **5:40**
